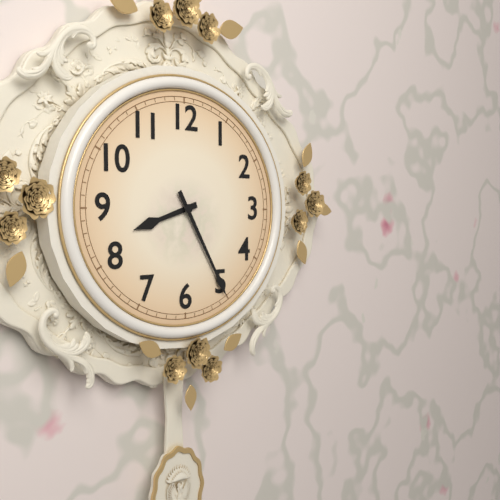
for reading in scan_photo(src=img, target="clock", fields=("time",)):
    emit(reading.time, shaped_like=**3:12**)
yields **8:25**
